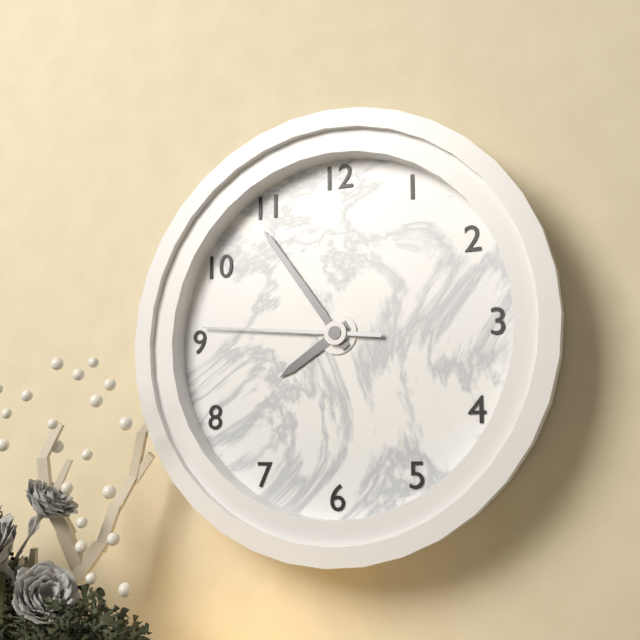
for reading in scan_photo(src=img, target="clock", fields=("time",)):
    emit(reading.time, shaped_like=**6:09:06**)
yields **7:54:46**
